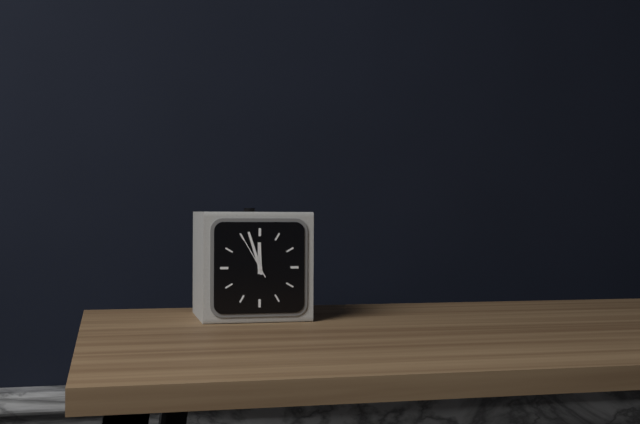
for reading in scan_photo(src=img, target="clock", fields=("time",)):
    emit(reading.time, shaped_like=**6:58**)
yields **11:57**
